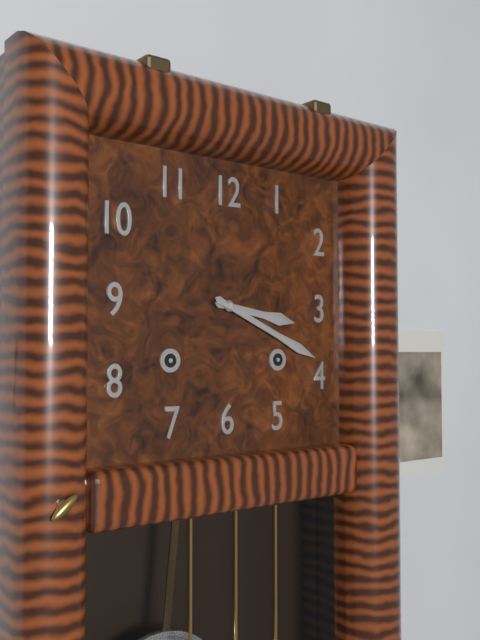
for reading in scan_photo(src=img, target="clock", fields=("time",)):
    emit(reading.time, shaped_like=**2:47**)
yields **3:19**
